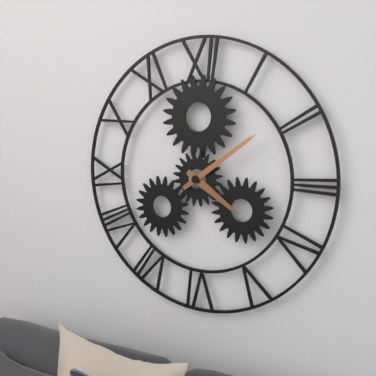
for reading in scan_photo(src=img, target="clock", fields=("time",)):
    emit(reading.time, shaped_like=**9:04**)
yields **4:09**
